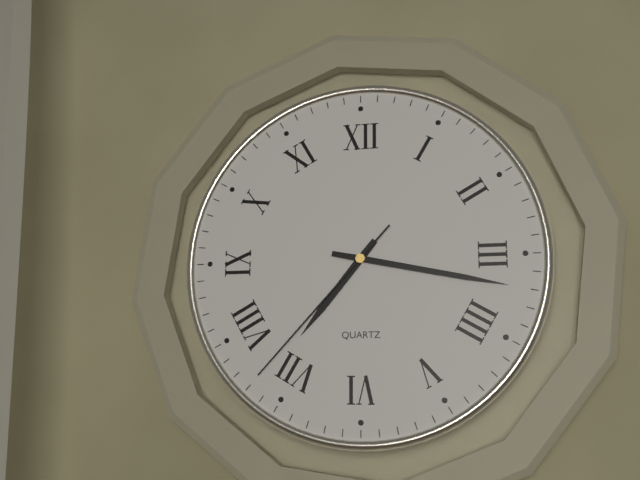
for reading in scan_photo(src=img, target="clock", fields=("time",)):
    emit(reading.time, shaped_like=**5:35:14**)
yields **7:17:37**
